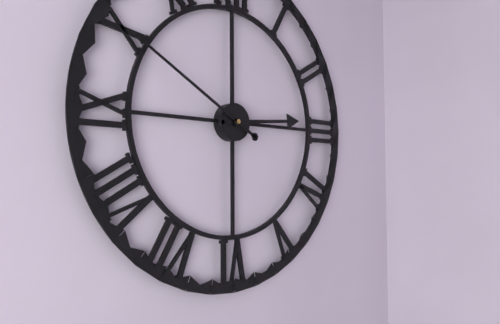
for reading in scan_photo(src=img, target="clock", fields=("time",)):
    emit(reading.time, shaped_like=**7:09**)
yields **2:50**
